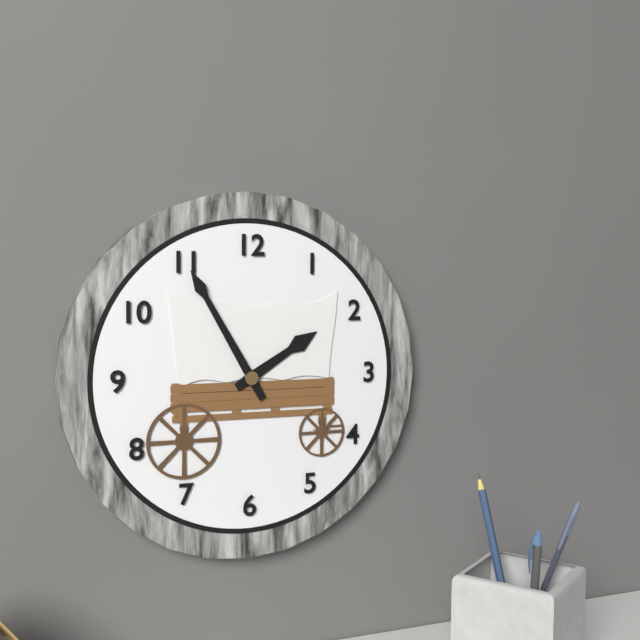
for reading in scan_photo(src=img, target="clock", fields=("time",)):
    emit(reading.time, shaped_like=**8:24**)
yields **1:55**
